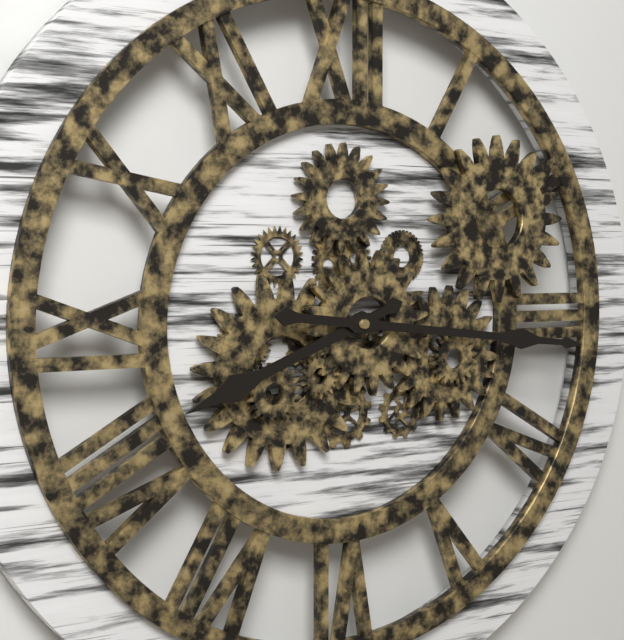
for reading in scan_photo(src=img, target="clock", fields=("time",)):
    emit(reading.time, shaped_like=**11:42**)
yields **8:16**
